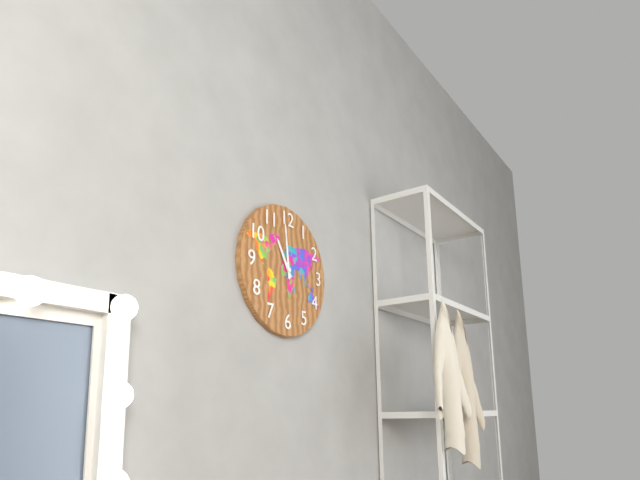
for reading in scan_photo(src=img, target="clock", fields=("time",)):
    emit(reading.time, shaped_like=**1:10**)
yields **10:59**
